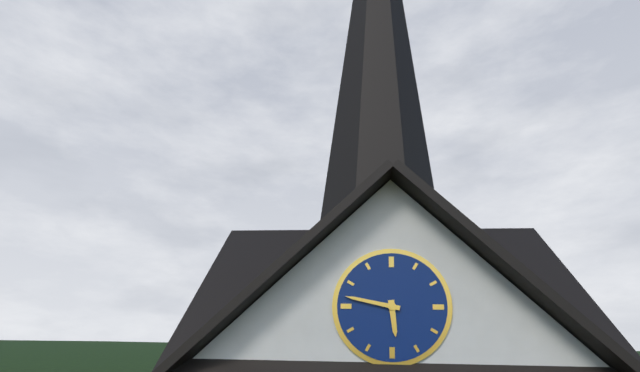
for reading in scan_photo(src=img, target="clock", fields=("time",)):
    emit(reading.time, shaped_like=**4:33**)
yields **5:47**
